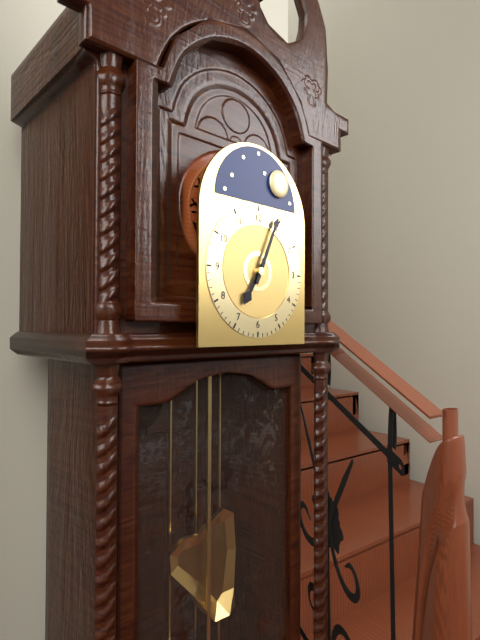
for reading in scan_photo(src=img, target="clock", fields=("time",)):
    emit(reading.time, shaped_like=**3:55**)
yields **7:04**
